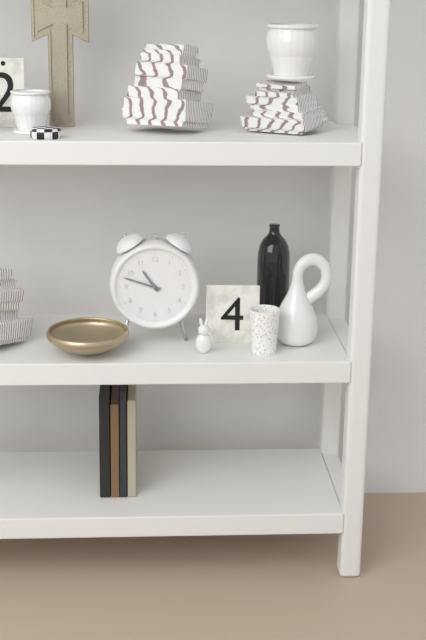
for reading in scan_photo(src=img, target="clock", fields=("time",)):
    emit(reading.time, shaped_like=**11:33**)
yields **10:48**
